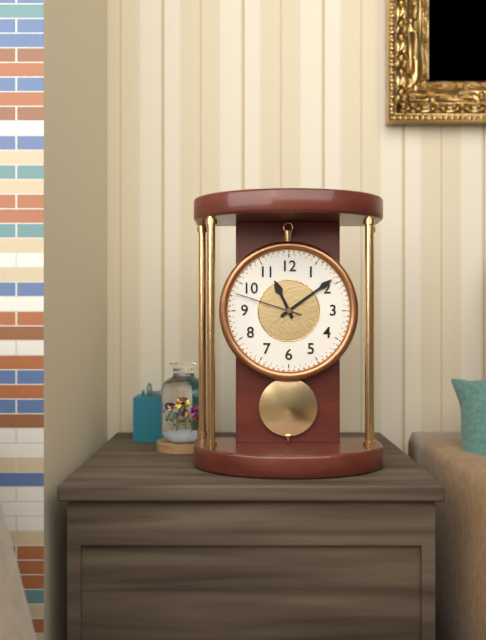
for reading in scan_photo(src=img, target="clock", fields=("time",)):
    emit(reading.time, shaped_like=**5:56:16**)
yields **11:09:48**
